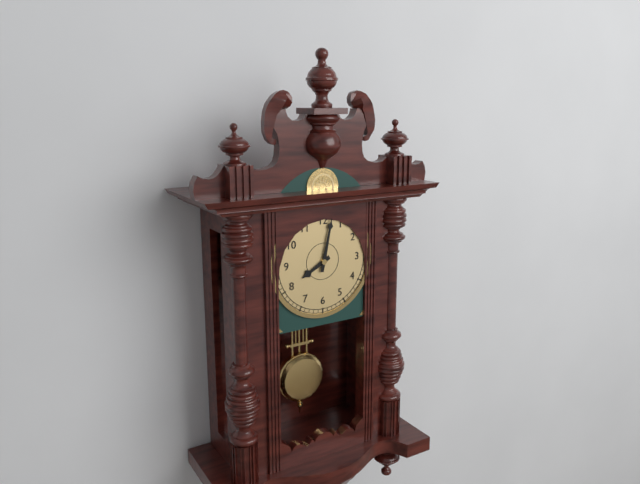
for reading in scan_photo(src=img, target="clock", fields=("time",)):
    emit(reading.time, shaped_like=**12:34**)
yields **8:02**
